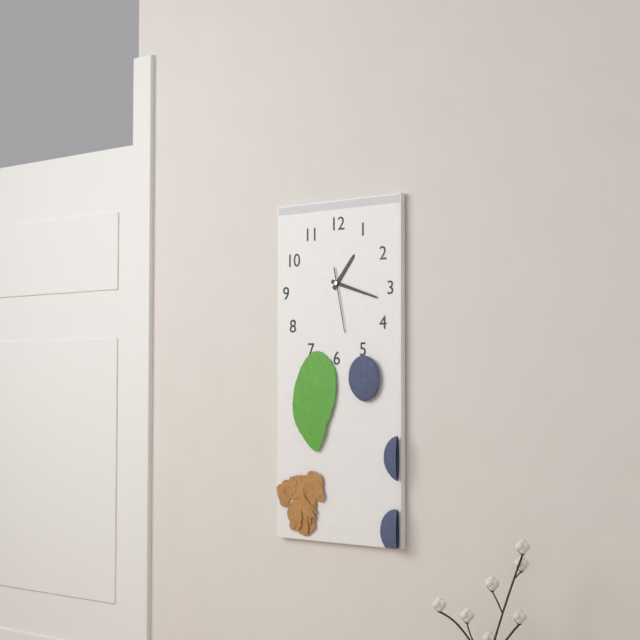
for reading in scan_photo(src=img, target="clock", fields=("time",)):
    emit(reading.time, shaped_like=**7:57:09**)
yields **1:18:28**
